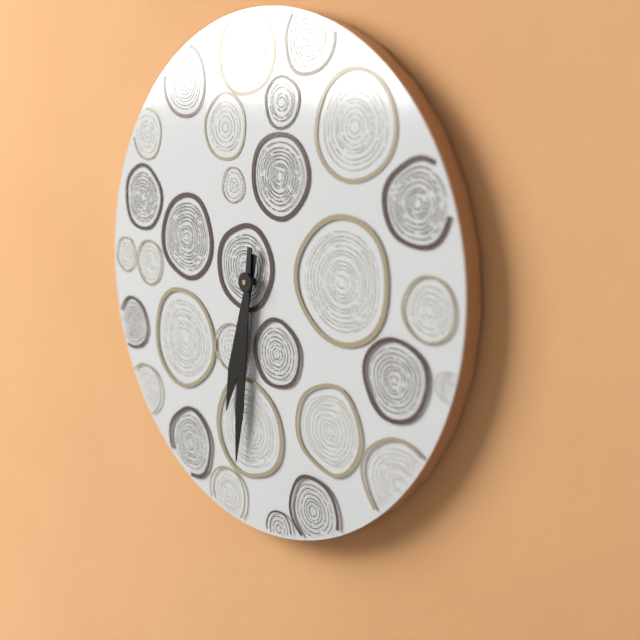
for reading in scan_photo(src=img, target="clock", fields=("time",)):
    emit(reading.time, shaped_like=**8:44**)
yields **6:31**
